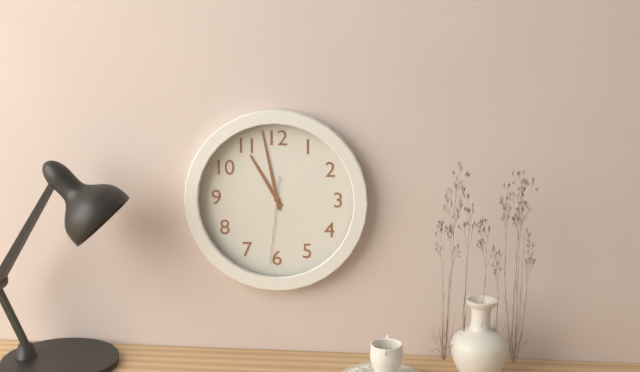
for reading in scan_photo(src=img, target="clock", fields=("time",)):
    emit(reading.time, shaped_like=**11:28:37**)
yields **10:58:31**
